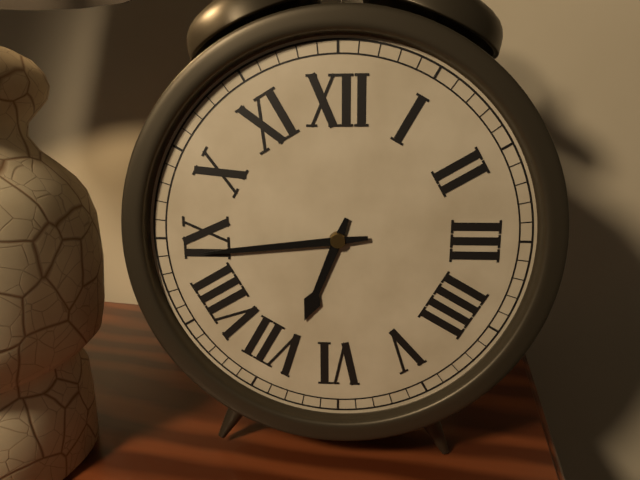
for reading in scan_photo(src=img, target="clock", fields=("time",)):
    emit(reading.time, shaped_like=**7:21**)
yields **6:44**
